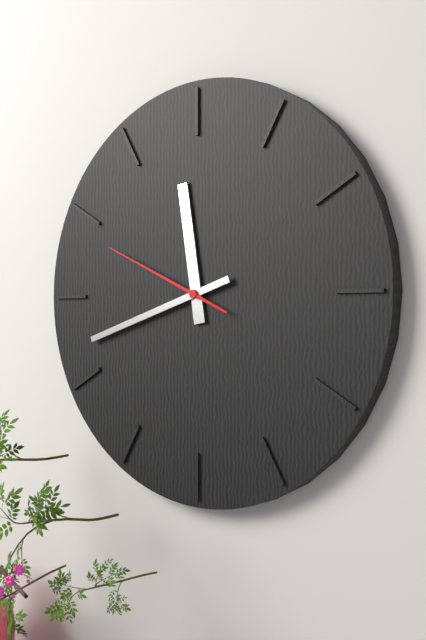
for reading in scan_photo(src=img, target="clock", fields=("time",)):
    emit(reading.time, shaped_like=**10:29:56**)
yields **11:42:49**
